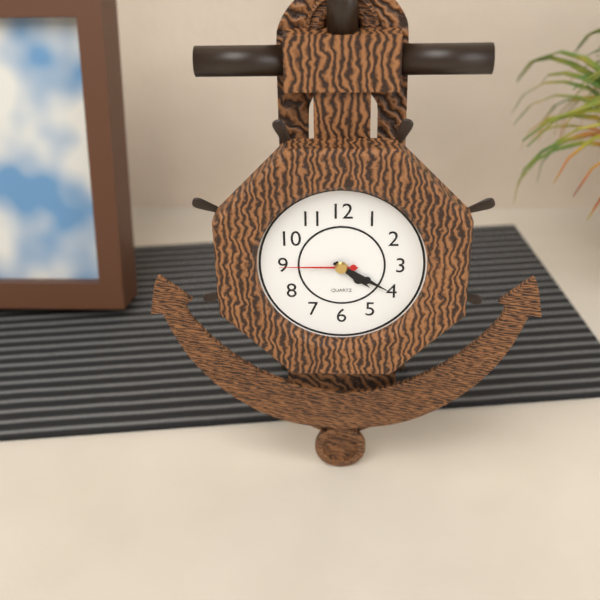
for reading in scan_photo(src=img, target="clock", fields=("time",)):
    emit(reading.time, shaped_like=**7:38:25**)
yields **4:20:45**
